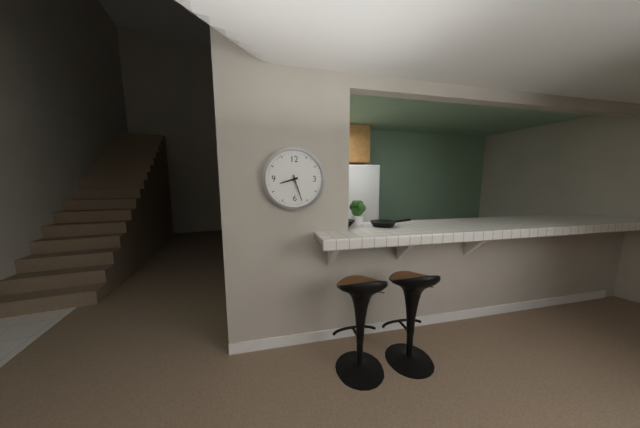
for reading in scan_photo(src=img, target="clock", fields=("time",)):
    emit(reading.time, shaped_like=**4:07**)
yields **8:27**
